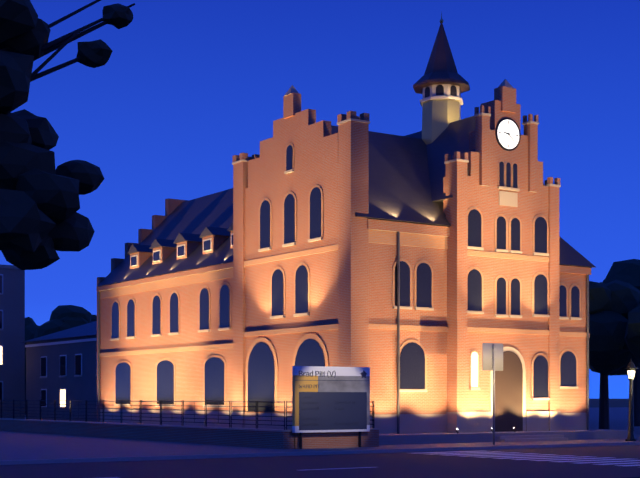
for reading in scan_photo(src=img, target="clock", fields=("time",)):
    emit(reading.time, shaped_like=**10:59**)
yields **9:22**
